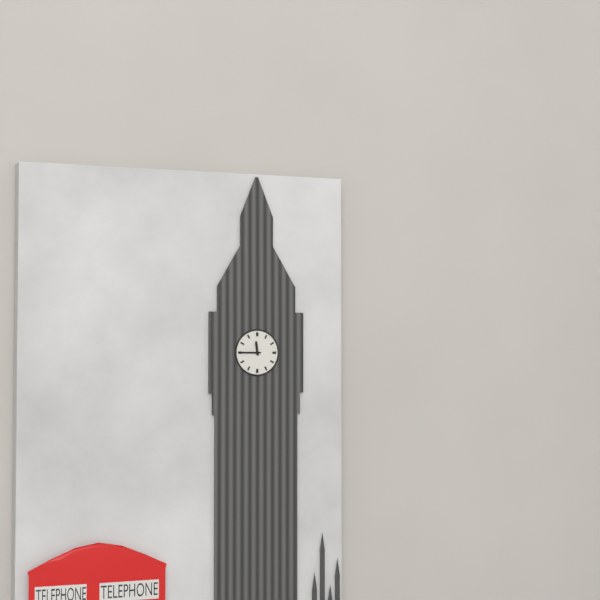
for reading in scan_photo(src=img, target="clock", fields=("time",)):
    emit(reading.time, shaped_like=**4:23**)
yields **11:45**
